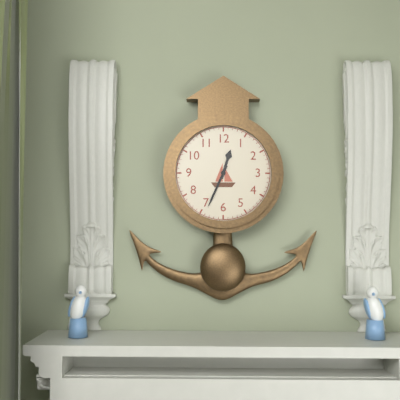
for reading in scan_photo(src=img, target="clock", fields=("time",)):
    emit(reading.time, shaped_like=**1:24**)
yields **12:34**
